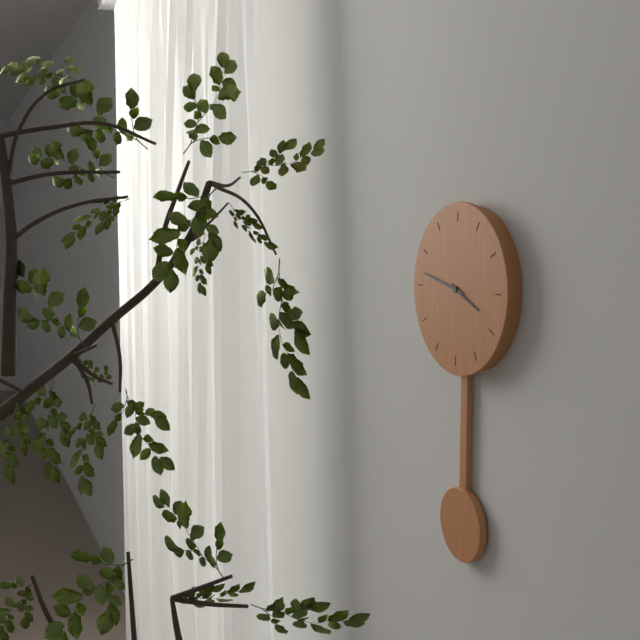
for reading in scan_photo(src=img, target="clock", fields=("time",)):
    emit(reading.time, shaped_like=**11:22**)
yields **3:47**
